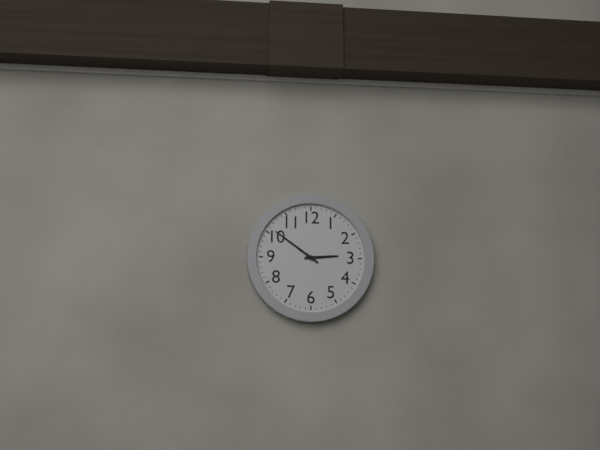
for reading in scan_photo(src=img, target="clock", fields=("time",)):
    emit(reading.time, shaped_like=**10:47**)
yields **2:51**
